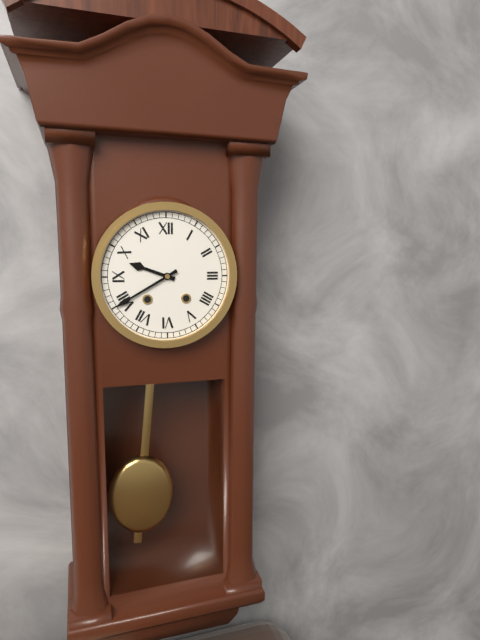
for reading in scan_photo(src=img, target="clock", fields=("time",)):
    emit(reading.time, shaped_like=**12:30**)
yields **9:40**
